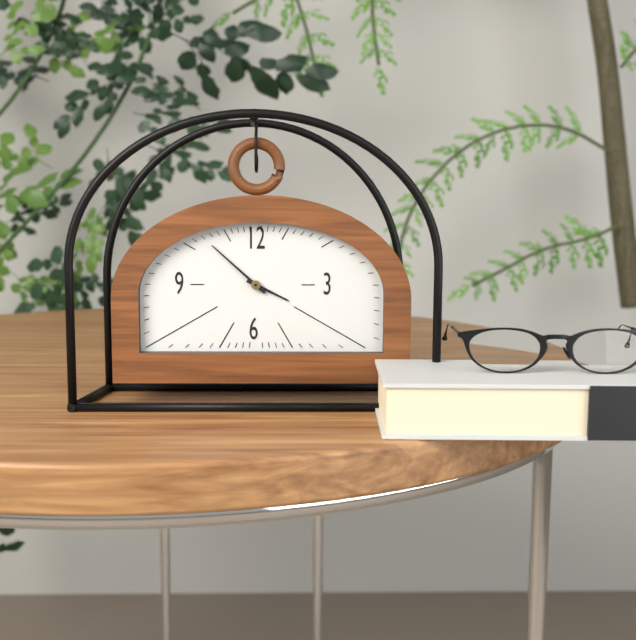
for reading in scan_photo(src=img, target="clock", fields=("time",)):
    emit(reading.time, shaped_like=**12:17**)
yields **3:52**
